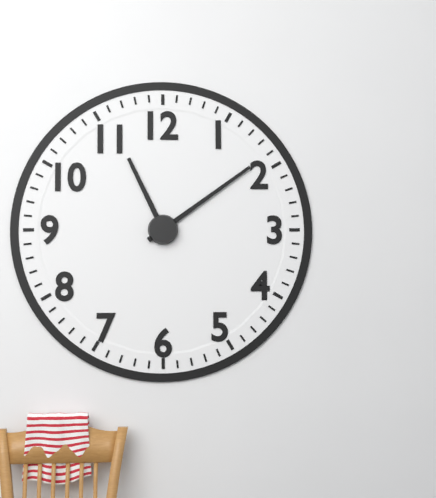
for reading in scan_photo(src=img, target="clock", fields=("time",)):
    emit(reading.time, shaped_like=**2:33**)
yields **11:09**
